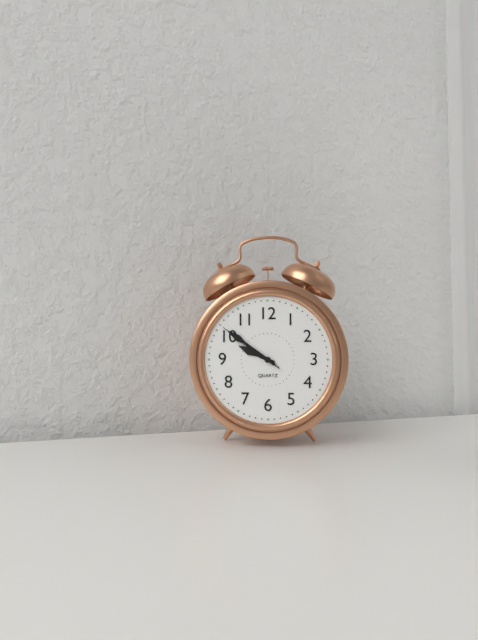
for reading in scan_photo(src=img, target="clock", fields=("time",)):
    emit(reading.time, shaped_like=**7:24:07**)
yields **9:51:51**
